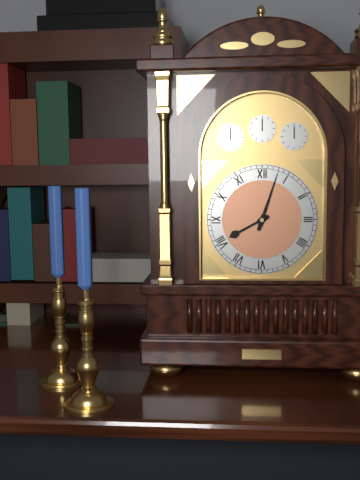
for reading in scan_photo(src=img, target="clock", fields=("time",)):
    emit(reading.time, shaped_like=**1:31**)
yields **8:03**
